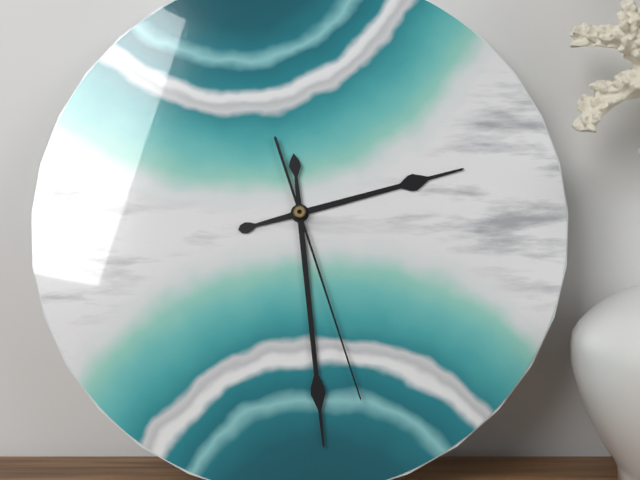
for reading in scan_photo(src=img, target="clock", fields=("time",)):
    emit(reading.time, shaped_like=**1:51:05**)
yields **2:29:27**
